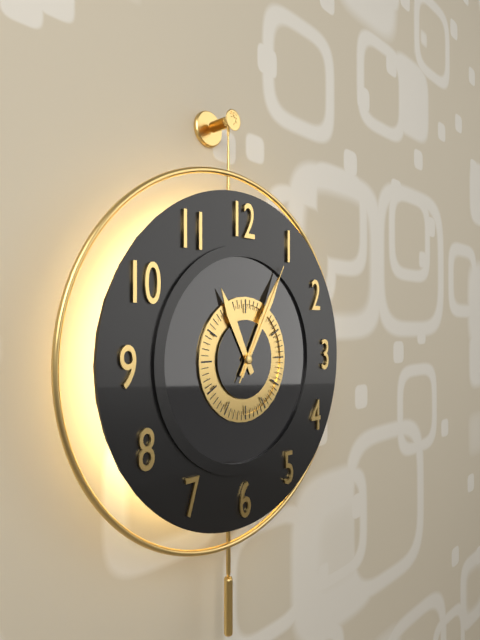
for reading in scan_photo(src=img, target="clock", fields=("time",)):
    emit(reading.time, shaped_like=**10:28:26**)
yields **11:05:05**
